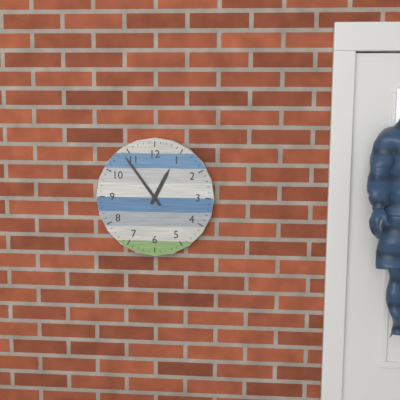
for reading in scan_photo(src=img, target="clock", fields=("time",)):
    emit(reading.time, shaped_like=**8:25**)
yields **12:54**
